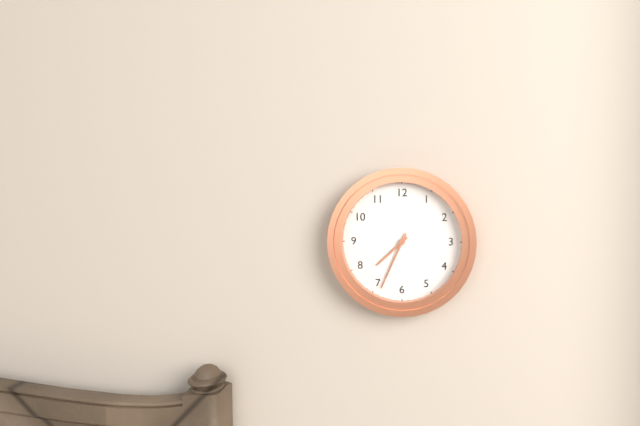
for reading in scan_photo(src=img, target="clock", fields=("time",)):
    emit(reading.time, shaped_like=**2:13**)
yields **7:34**
